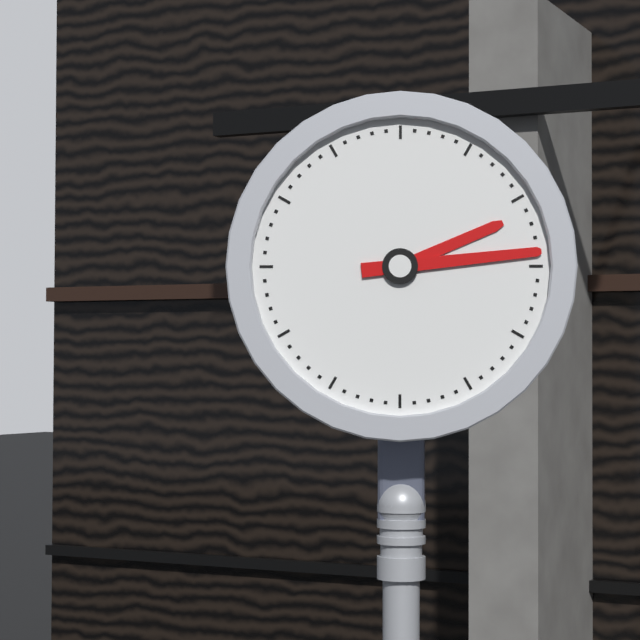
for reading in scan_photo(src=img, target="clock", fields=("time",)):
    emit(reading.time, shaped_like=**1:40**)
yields **2:14**
